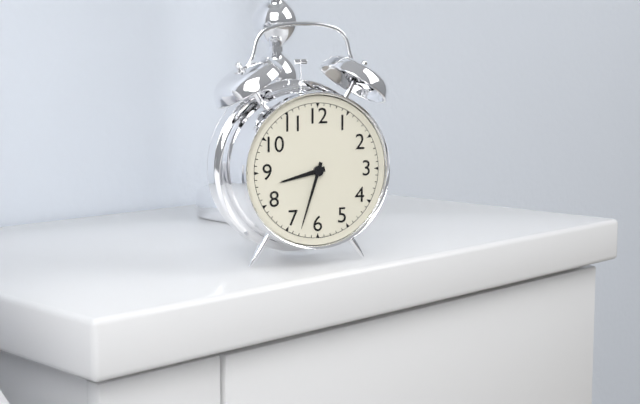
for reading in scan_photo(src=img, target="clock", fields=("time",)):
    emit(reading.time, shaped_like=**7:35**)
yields **8:33**
